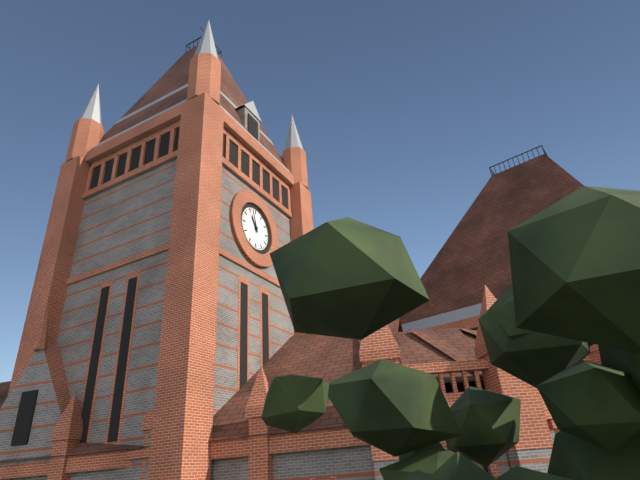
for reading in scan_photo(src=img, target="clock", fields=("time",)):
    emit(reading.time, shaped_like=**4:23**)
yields **10:57**
